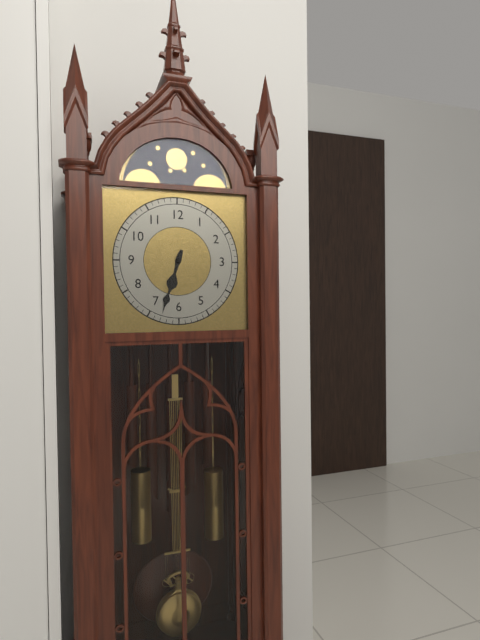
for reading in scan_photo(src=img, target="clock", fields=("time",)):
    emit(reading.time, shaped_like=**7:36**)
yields **6:33**
